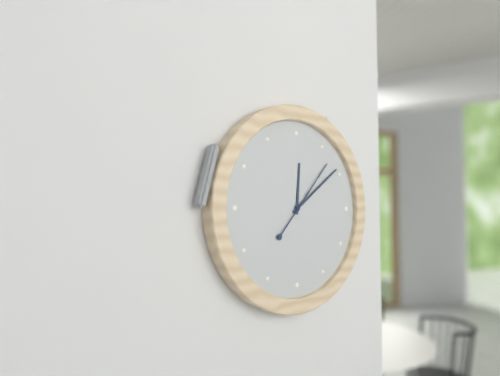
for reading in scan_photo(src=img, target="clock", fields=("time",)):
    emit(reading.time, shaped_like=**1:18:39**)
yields **12:09:07**
